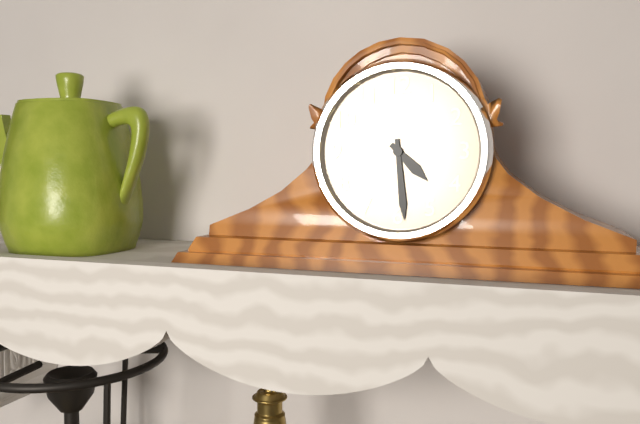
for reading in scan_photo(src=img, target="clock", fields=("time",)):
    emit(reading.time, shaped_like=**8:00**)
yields **4:29**
